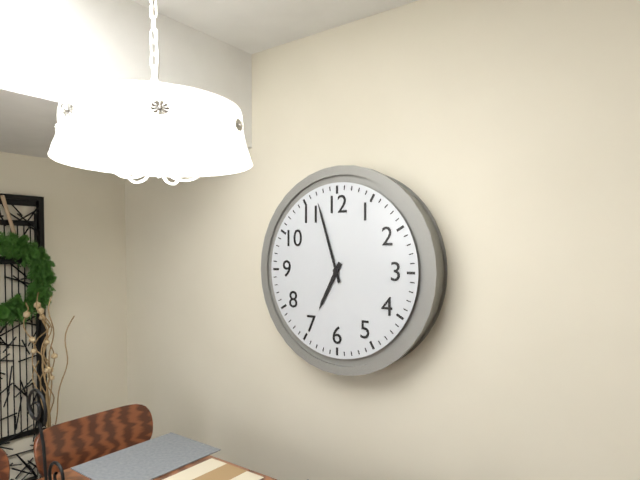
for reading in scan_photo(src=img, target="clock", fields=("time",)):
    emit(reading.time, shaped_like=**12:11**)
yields **6:57**
